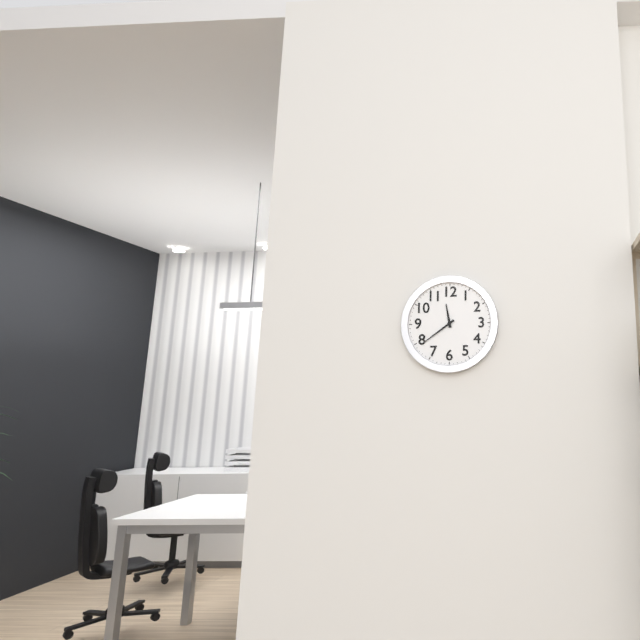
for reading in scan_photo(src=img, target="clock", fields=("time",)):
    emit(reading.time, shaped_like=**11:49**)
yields **11:39**
